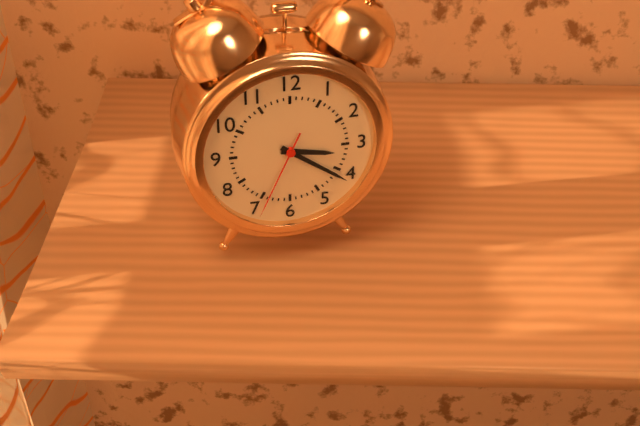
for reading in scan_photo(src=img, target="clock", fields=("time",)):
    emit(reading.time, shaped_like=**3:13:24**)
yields **3:21:34**
